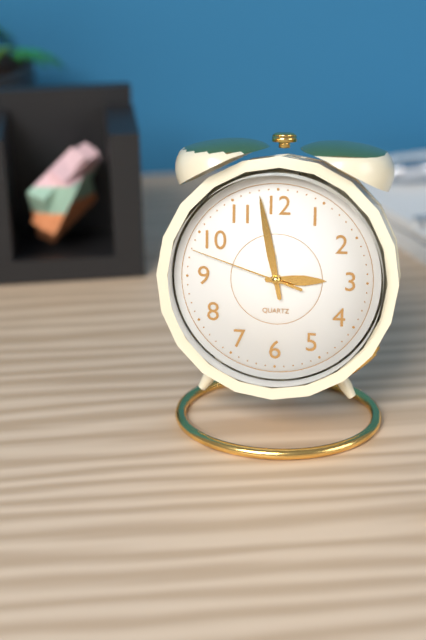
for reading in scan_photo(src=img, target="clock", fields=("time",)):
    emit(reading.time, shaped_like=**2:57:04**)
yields **2:58:48**
